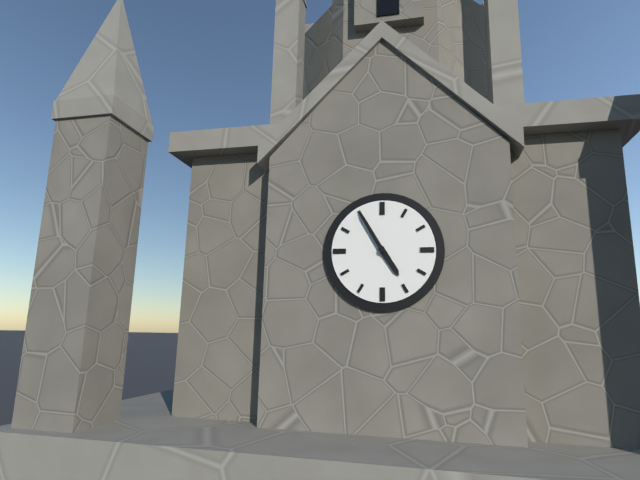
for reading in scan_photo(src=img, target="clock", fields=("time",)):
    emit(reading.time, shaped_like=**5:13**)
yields **4:55**
